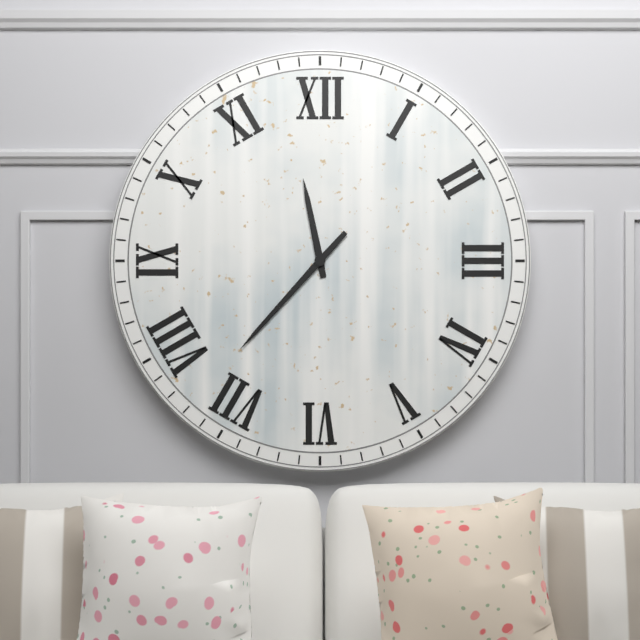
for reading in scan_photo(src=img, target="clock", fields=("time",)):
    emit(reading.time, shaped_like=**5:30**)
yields **11:37**
